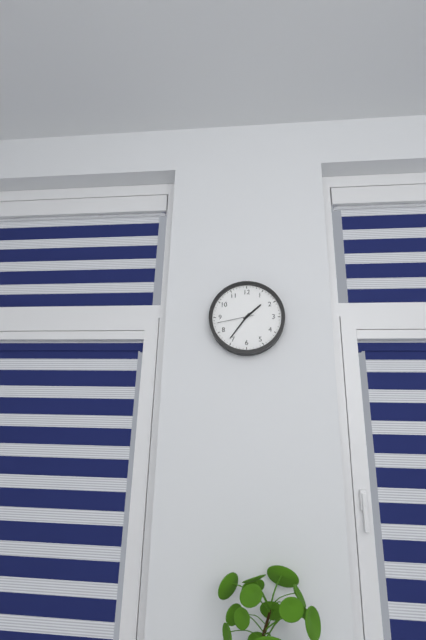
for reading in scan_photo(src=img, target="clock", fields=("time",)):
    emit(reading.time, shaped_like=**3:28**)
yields **1:36**
